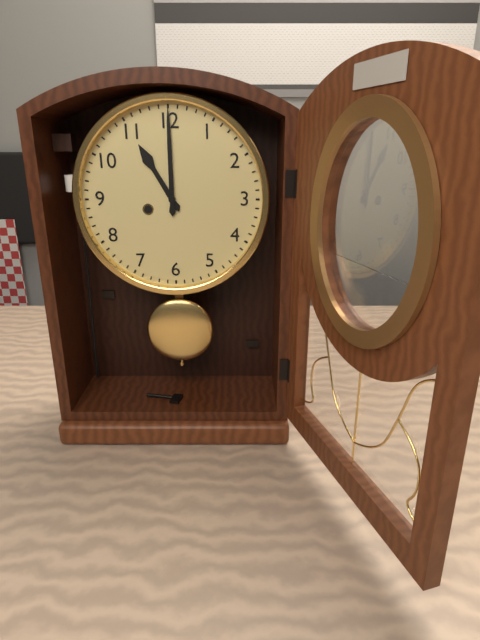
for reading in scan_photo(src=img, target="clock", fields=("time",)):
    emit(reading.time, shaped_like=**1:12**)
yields **11:00**
